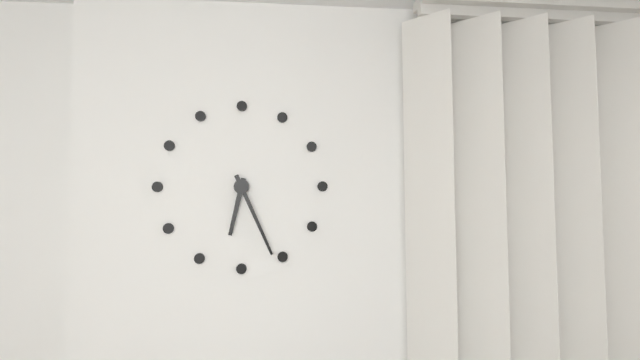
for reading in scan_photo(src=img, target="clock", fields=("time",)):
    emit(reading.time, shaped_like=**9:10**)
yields **6:26**
